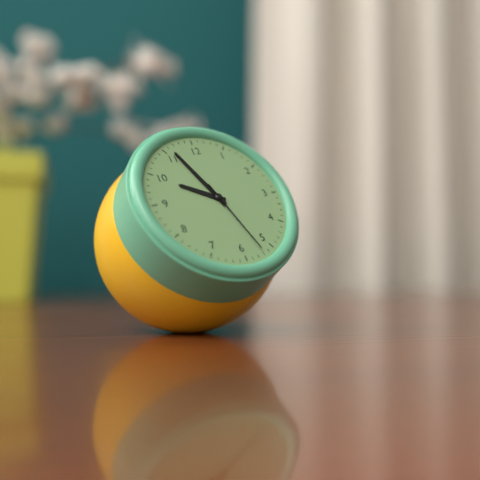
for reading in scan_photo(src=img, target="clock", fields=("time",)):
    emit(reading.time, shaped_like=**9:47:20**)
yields **9:56:27**
